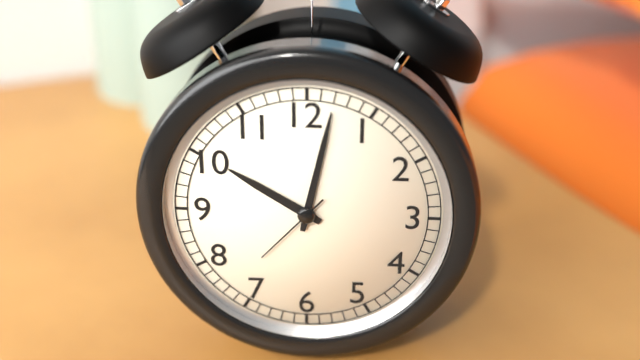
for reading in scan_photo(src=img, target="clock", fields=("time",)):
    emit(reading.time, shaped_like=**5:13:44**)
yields **10:02:37**
